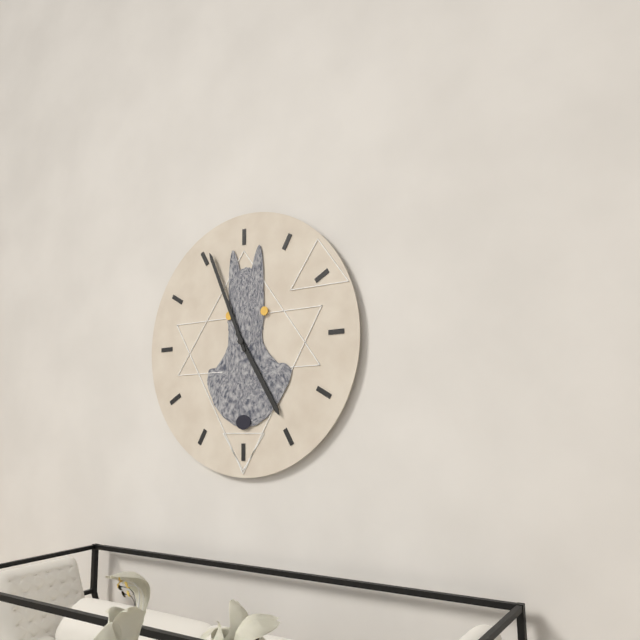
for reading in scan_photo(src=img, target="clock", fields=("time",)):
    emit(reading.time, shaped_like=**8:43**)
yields **4:56**
